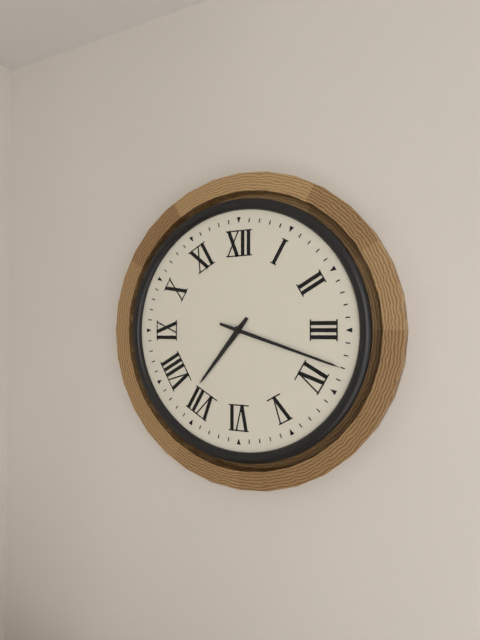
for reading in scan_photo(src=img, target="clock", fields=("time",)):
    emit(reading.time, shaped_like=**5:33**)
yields **7:18**
